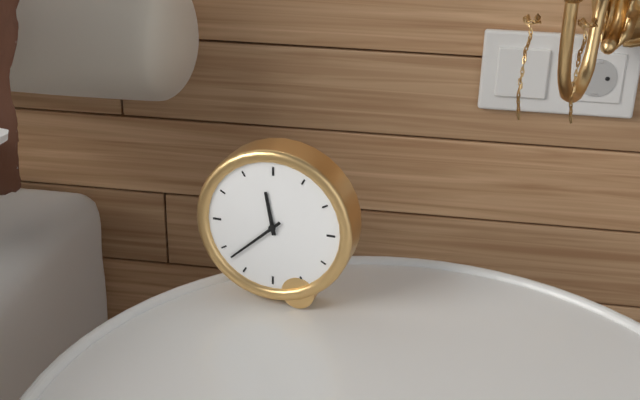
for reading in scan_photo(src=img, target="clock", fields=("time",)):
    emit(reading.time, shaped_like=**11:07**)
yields **11:38**
